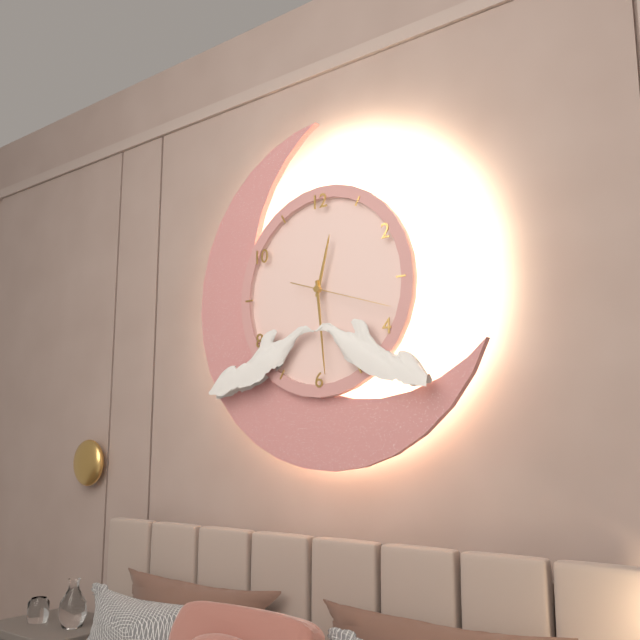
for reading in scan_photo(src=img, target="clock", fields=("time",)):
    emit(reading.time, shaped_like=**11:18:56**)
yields **12:29:18**
